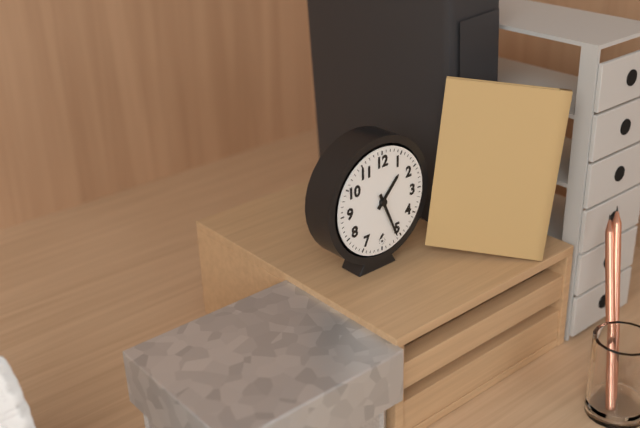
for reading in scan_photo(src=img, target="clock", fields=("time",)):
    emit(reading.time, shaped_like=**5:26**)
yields **1:26**
